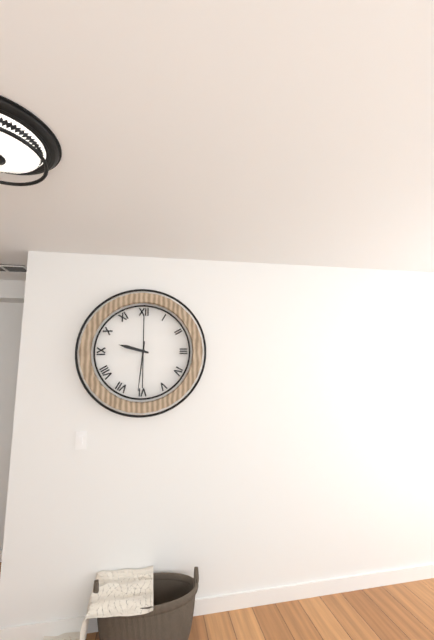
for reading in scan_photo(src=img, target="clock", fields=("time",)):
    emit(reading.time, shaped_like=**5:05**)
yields **9:31**
